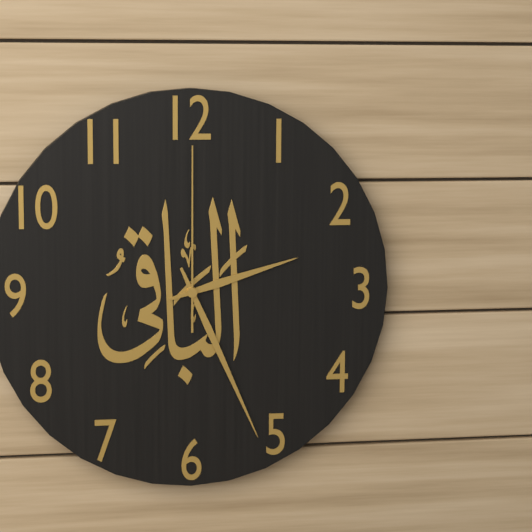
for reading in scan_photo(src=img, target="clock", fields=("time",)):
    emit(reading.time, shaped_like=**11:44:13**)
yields **2:26:00**
